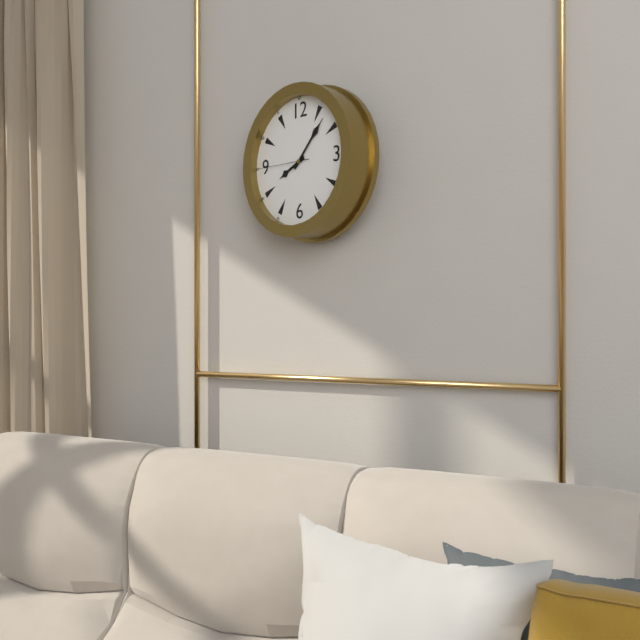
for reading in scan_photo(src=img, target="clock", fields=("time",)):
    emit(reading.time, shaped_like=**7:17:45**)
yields **8:07:45**
